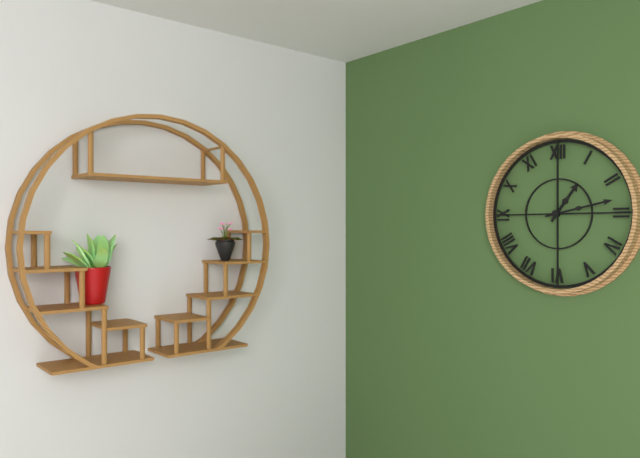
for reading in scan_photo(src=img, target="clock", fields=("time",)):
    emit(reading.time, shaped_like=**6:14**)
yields **1:13**
